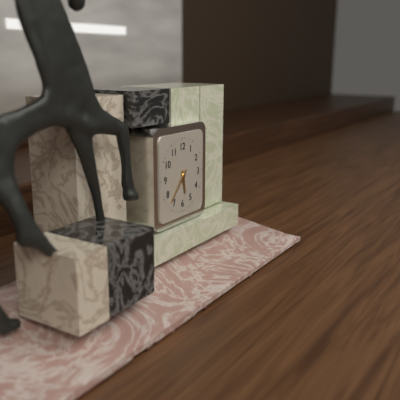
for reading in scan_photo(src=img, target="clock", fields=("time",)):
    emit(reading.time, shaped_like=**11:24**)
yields **5:37**
